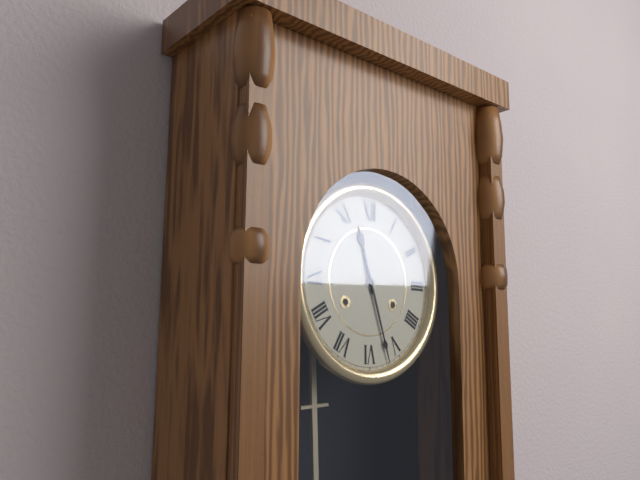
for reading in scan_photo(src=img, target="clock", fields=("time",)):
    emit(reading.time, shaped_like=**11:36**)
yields **11:27**
